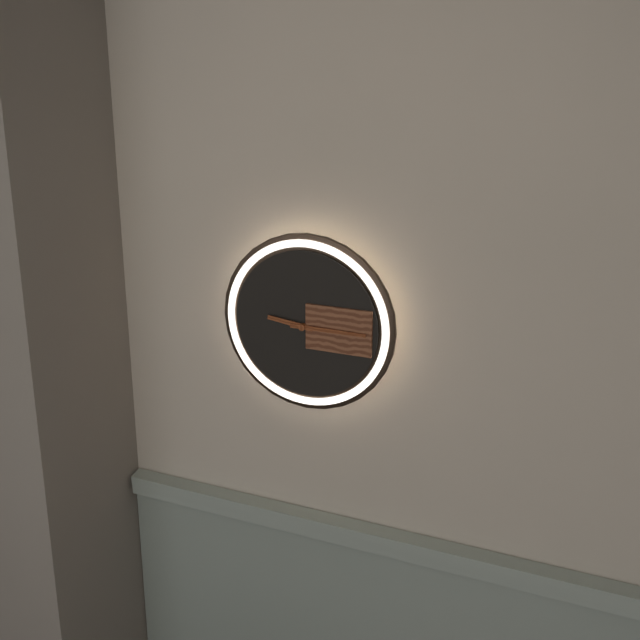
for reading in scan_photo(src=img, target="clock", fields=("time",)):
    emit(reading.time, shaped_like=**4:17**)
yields **9:15**
